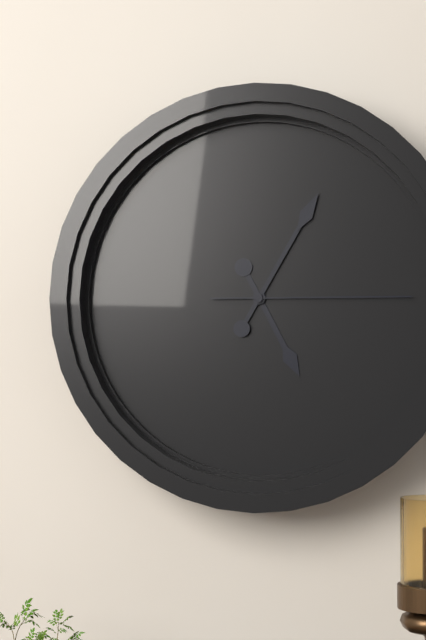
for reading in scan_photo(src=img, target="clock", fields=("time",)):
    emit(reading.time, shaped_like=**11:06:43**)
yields **5:05:15**
